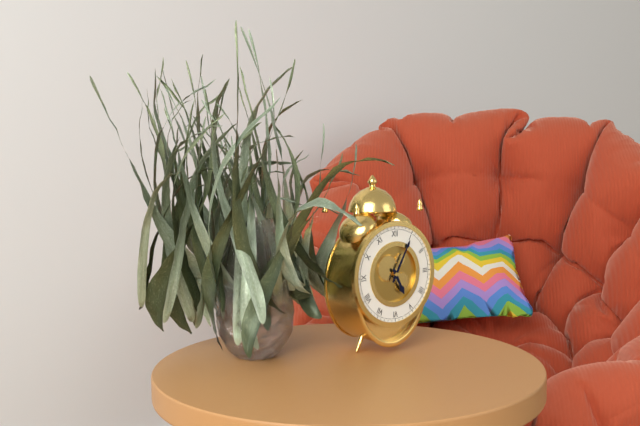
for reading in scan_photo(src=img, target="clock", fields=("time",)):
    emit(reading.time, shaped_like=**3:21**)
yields **5:05**
